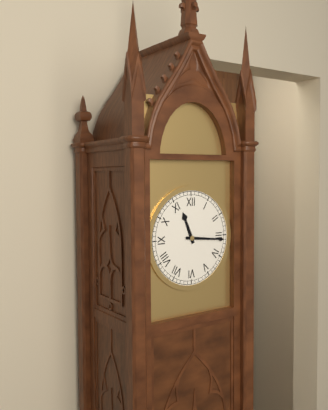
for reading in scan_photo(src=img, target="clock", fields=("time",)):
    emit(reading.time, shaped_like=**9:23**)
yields **11:16**
